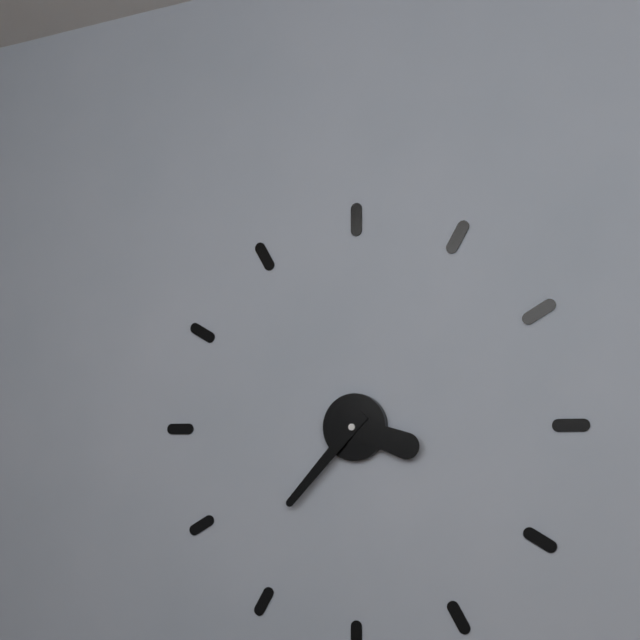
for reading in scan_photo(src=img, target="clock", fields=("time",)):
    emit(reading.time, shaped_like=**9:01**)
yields **3:37**
